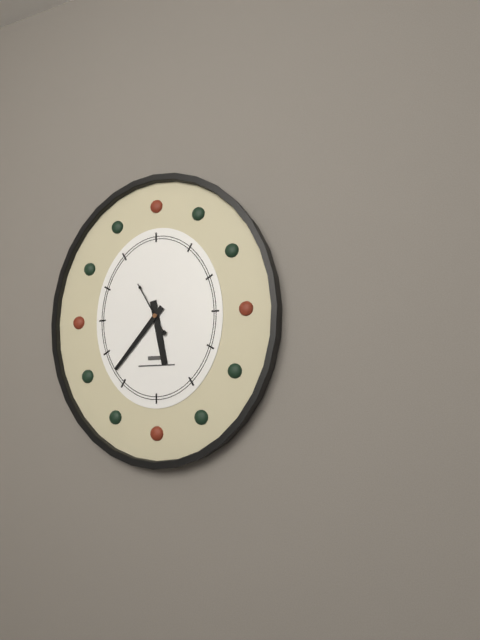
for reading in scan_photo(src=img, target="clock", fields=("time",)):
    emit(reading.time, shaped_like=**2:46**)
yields **5:37**
